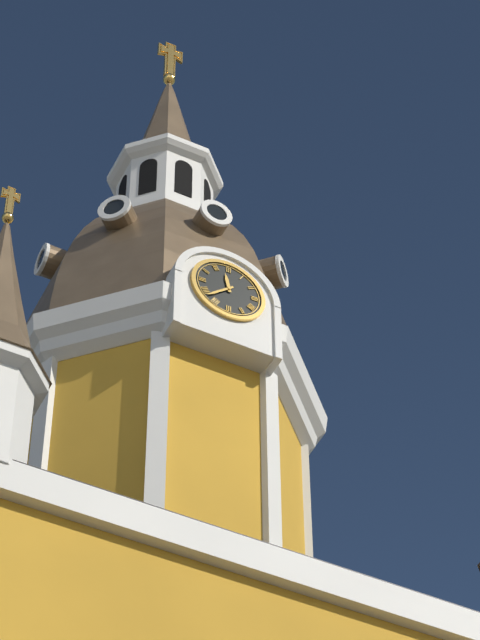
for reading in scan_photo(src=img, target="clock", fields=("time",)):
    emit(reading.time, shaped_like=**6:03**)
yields **11:38**
